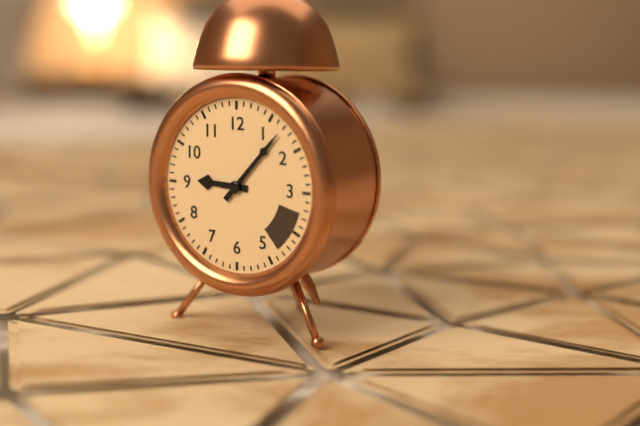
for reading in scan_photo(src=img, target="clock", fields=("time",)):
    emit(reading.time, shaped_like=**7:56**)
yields **9:07**
